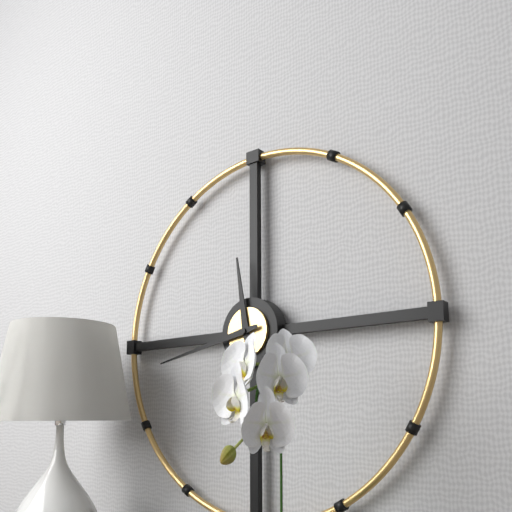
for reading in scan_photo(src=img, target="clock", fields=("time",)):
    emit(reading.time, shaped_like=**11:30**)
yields **11:43**
